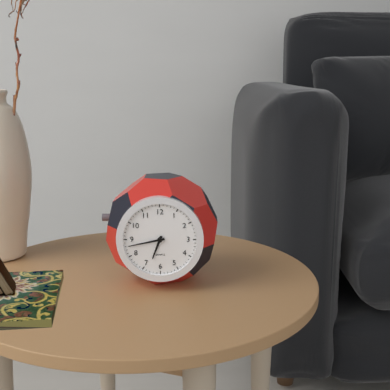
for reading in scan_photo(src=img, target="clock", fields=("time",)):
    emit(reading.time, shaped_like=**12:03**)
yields **6:43**
